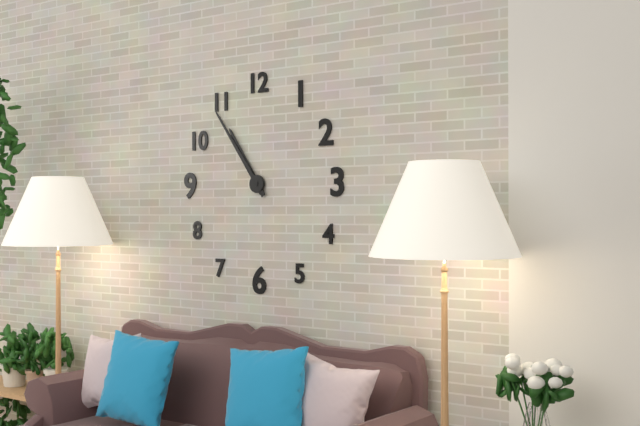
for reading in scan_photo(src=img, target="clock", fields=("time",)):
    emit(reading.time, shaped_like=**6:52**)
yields **10:54**
